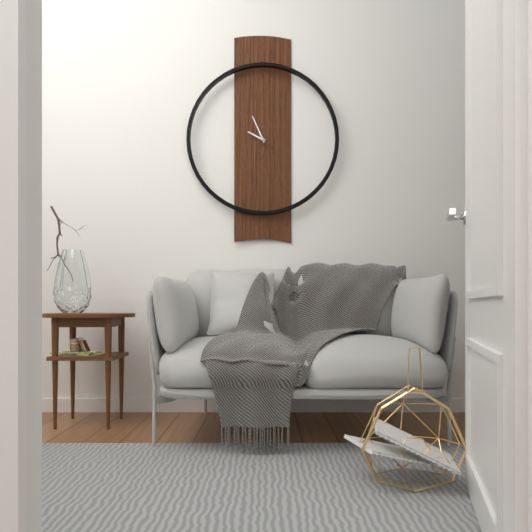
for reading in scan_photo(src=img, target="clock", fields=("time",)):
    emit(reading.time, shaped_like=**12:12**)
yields **9:56**
